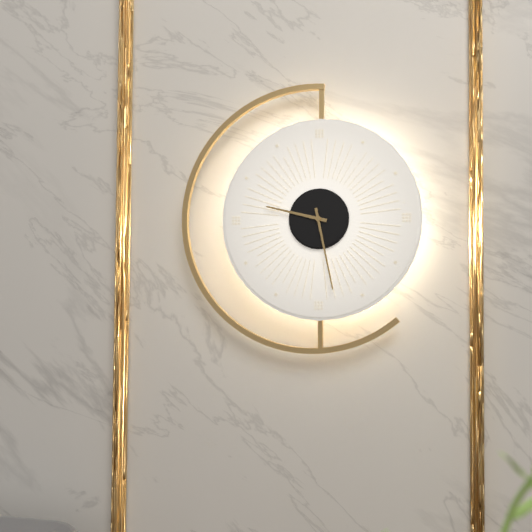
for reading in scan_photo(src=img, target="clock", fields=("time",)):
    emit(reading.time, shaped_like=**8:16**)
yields **9:28**
